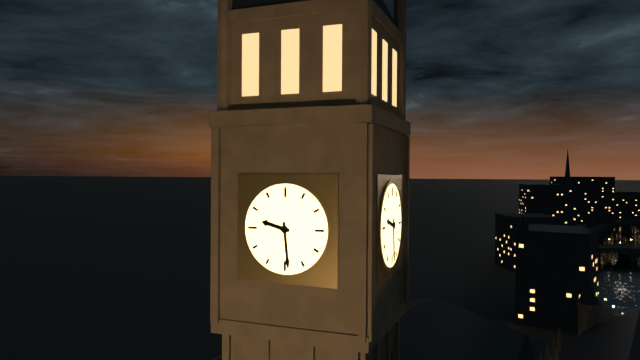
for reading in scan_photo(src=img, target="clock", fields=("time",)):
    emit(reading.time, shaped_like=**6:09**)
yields **9:29**
